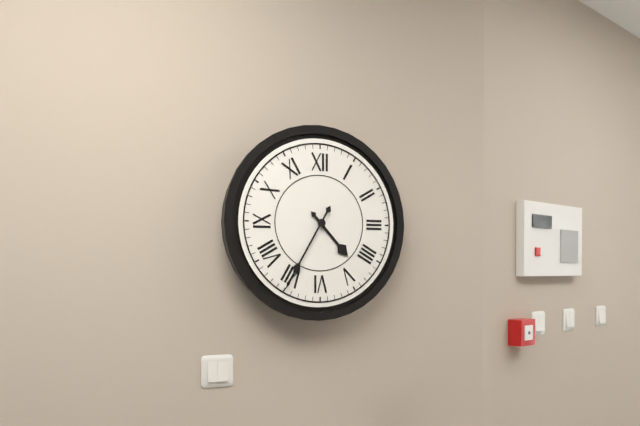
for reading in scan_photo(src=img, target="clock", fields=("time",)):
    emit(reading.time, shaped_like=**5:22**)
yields **4:35**
